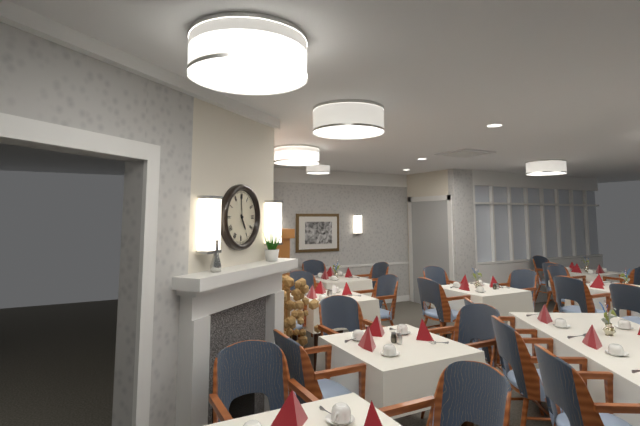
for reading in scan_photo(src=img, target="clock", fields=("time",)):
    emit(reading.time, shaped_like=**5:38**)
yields **4:59**
